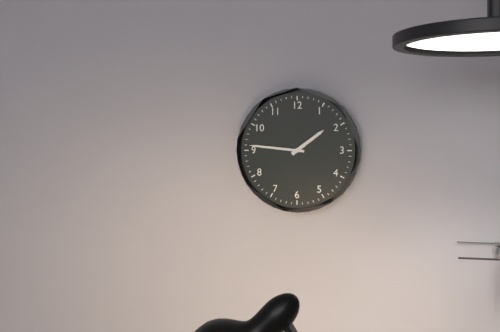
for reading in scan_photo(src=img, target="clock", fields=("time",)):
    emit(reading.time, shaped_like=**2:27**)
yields **1:46**
